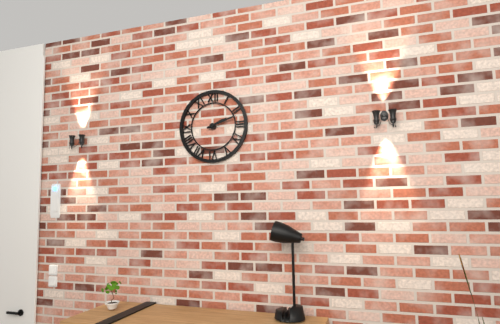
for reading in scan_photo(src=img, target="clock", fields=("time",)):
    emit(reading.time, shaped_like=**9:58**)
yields **2:12**
